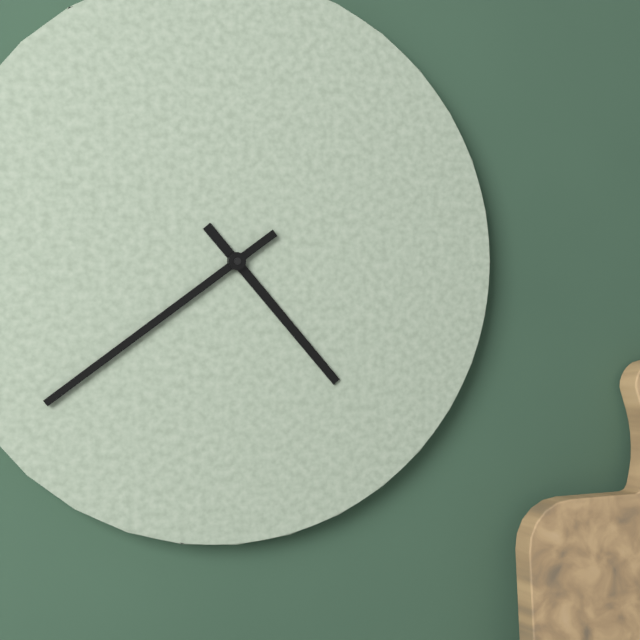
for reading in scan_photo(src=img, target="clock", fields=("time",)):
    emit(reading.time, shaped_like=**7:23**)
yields **4:39**
